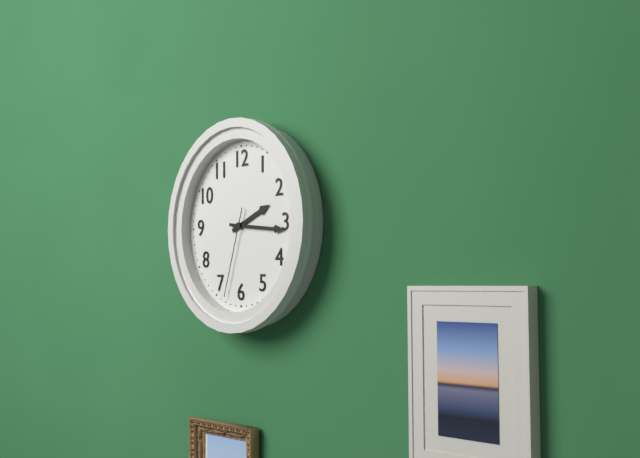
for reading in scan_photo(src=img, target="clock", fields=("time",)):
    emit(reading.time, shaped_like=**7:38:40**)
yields **2:16:33**
